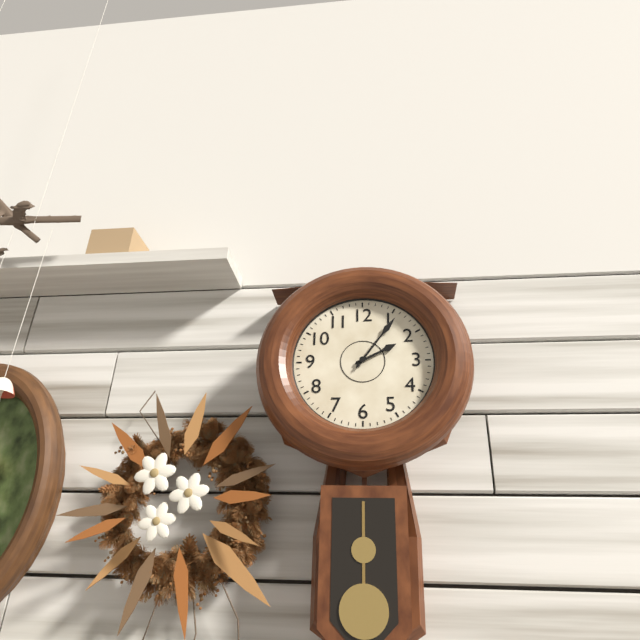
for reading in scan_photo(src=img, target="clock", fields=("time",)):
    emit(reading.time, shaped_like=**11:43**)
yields **2:06**
